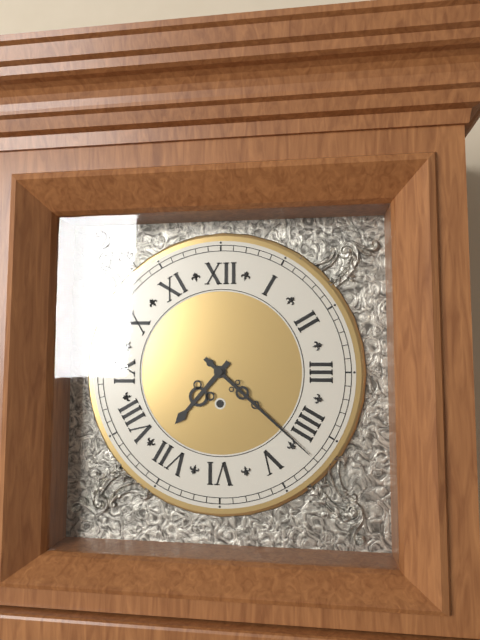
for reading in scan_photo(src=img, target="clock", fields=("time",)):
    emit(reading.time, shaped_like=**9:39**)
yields **7:22**
